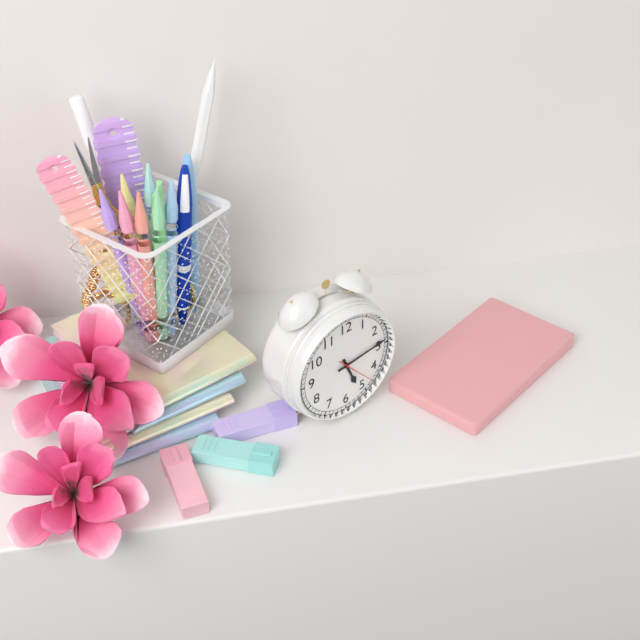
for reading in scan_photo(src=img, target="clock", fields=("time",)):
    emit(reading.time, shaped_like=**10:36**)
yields **5:14**
